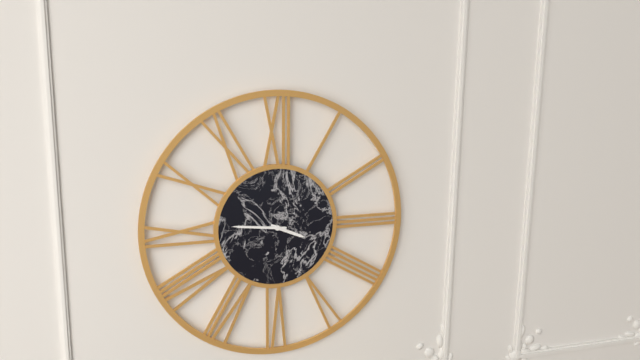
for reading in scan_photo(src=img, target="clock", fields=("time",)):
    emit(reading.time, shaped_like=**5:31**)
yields **3:46**
